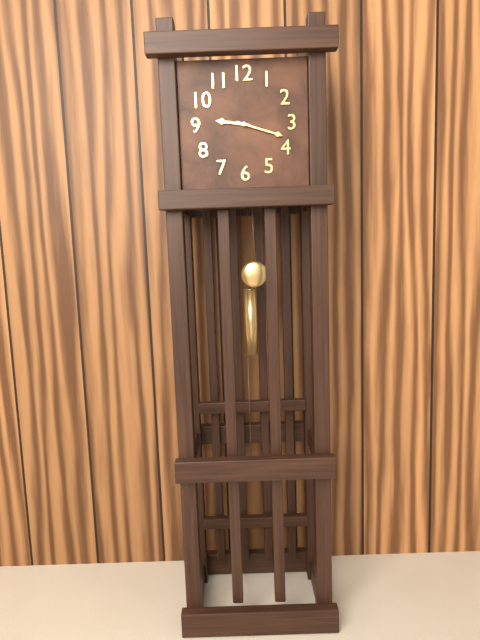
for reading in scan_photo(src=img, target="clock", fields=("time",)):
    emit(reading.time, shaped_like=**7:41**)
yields **9:18**
